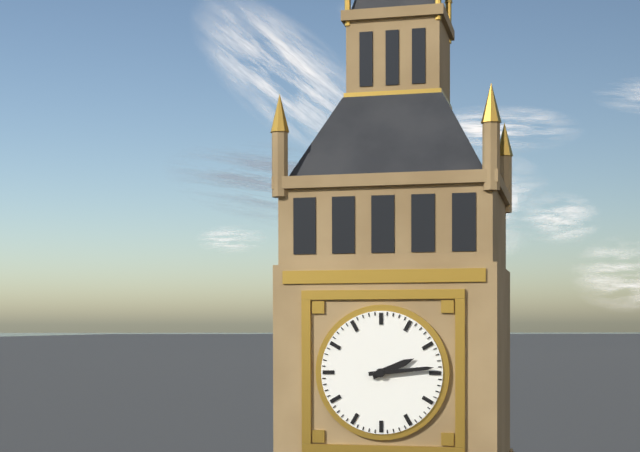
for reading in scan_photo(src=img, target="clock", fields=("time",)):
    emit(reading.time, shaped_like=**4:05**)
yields **2:14**
